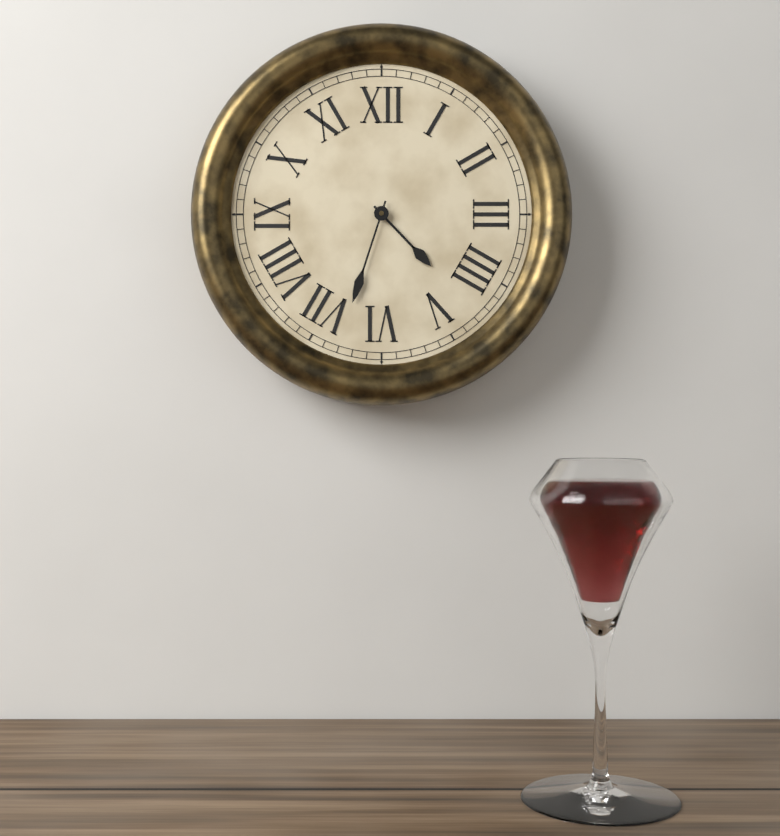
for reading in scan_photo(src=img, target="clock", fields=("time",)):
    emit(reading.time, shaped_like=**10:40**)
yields **4:33**
